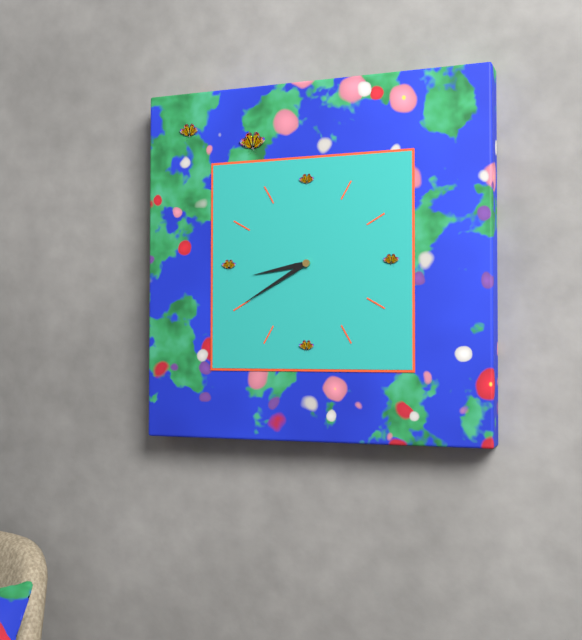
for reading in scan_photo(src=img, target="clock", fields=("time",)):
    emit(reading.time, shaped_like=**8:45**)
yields **8:40**
